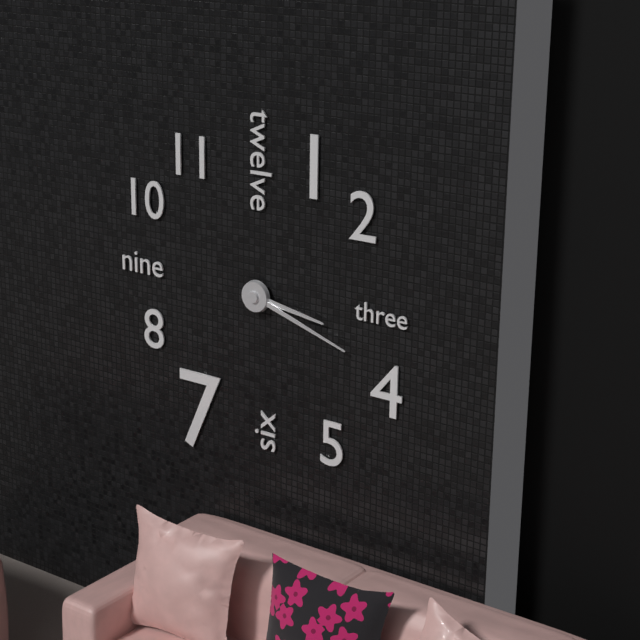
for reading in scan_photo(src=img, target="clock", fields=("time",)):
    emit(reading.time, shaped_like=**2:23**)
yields **3:18**
